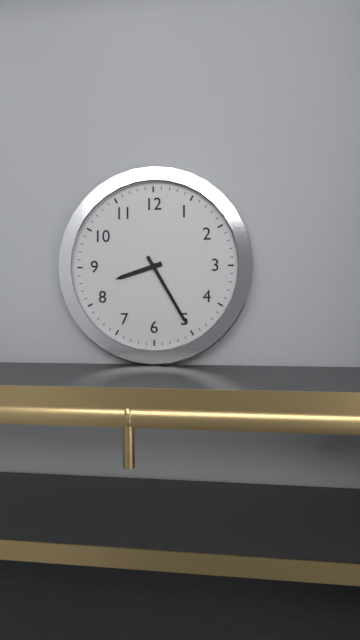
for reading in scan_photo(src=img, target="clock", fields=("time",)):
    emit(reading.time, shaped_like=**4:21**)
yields **8:25**
